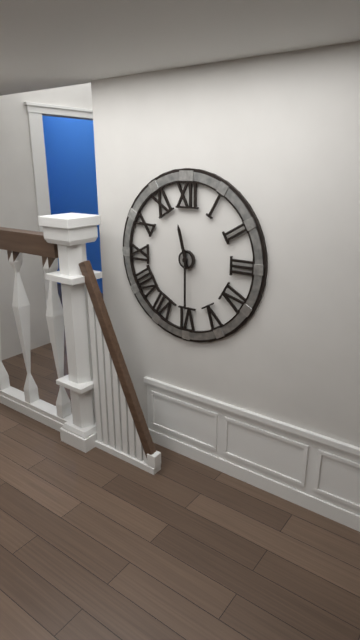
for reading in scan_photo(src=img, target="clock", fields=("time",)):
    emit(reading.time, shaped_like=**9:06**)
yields **11:30**
